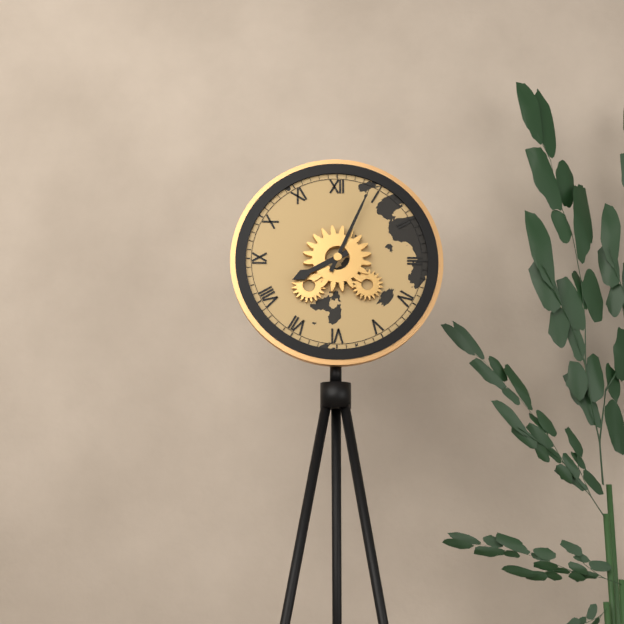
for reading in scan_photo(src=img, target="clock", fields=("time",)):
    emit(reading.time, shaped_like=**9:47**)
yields **8:04**
